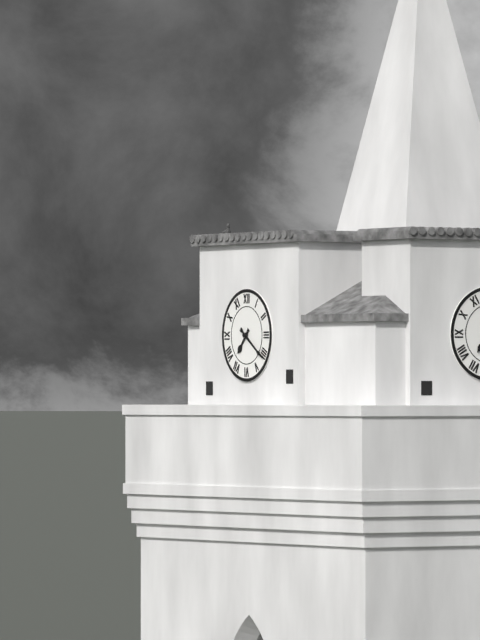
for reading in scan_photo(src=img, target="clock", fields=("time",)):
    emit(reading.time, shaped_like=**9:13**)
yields **7:21**
